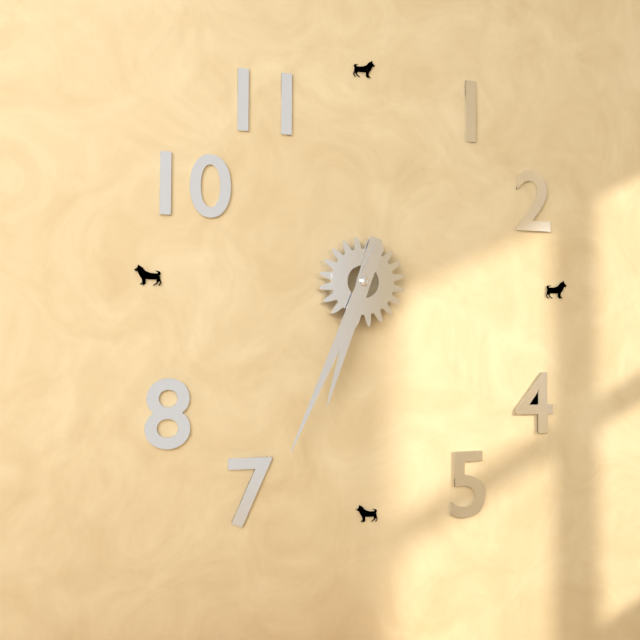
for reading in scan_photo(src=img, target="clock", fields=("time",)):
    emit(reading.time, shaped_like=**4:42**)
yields **6:34**
